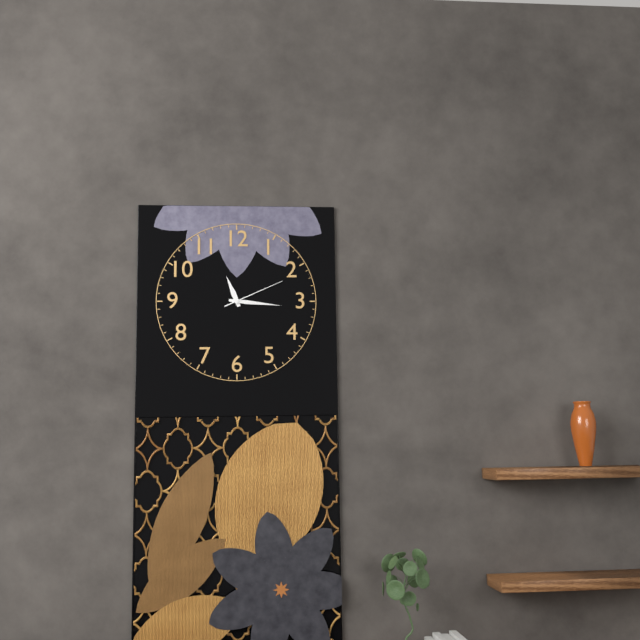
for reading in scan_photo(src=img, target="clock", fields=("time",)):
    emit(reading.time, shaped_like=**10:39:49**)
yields **11:16:11**
